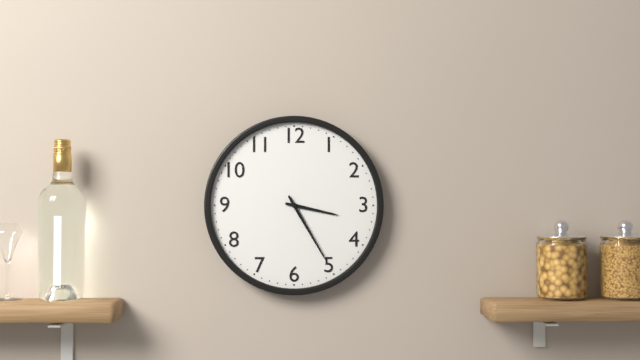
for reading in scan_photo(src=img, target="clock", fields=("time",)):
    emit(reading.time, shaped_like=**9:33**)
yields **3:25**
